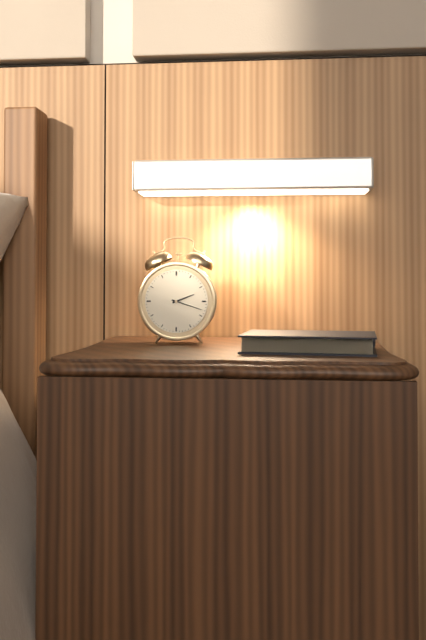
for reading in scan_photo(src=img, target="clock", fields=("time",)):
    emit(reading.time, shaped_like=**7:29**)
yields **2:18**
